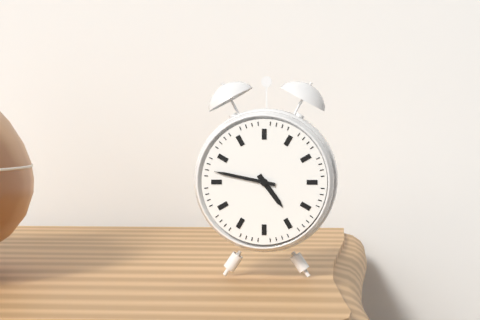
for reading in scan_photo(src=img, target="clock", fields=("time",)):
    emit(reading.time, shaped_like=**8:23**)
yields **4:47**
